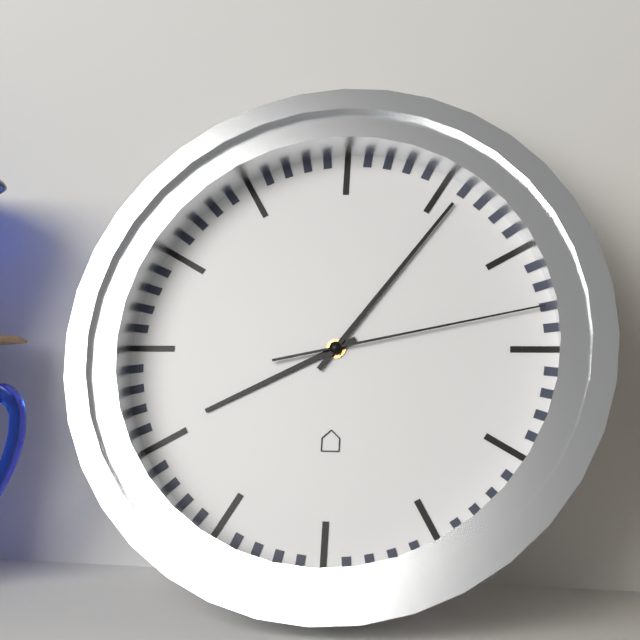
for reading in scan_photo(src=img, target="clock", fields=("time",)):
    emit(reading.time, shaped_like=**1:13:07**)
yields **8:06:13**
